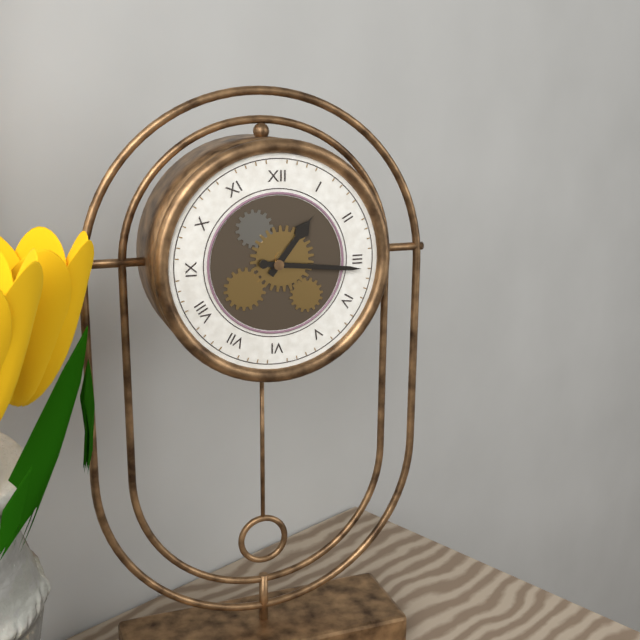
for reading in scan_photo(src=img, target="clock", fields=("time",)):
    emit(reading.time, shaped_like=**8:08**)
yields **1:16**
